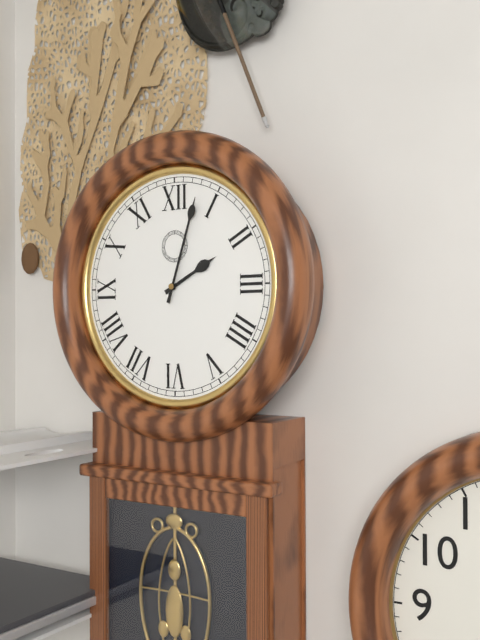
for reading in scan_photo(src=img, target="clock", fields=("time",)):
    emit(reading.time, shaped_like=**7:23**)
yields **2:03**
